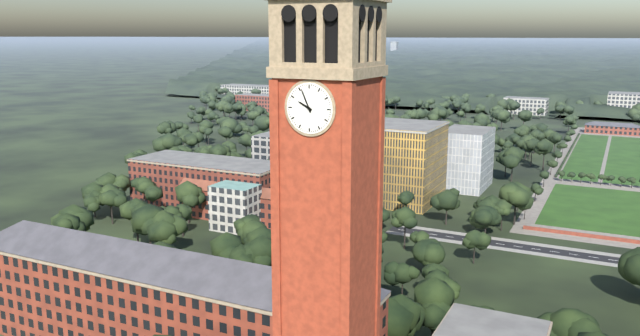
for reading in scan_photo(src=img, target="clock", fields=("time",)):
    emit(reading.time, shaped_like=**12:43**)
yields **9:56**
